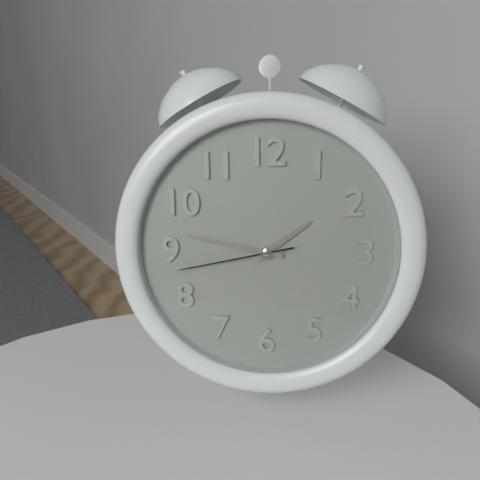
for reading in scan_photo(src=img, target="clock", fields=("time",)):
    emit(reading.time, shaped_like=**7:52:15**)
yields **1:47:43**
